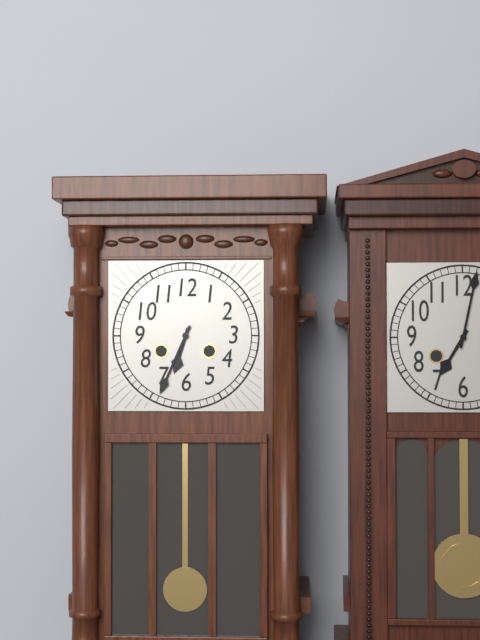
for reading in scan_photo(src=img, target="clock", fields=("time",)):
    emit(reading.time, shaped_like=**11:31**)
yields **6:34**
